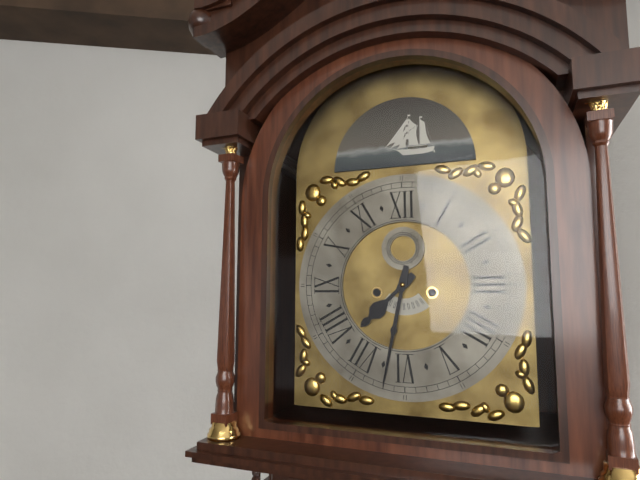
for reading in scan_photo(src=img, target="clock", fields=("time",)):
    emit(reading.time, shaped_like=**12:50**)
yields **7:32**
